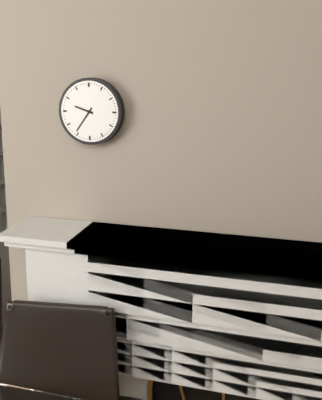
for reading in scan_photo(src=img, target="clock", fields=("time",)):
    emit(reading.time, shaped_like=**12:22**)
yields **9:36**
